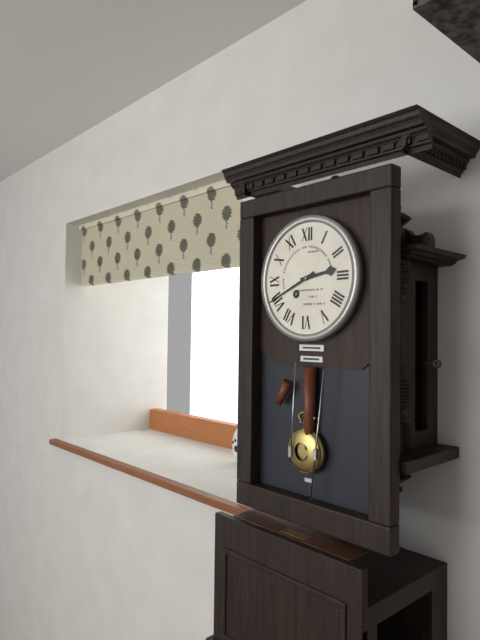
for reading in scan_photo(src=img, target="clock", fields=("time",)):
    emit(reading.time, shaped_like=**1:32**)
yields **2:41**
